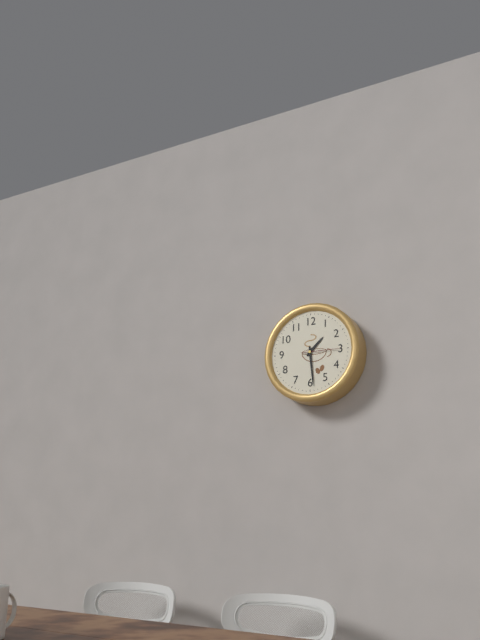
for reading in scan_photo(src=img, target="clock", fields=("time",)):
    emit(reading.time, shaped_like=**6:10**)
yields **1:29**
